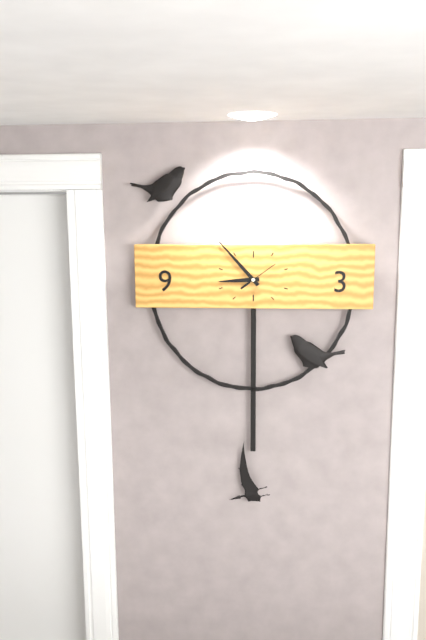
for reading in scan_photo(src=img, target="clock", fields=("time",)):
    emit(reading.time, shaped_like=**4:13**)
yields **8:53**
